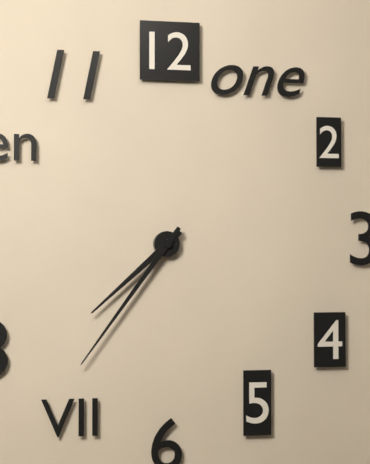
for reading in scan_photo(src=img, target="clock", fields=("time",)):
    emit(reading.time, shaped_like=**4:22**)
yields **7:36**
